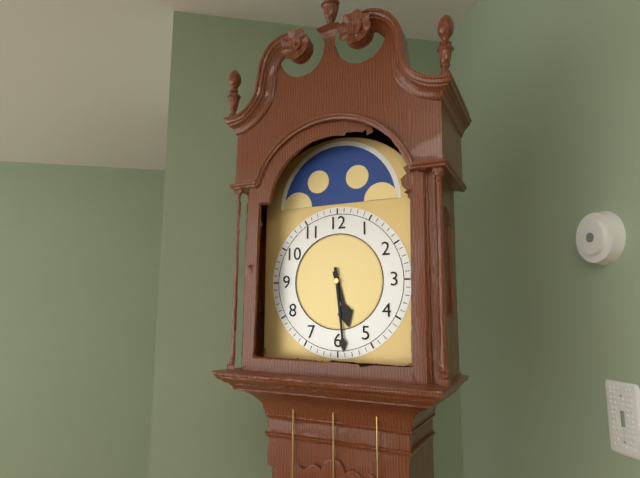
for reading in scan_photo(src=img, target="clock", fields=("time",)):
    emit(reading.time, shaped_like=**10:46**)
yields **5:29**
